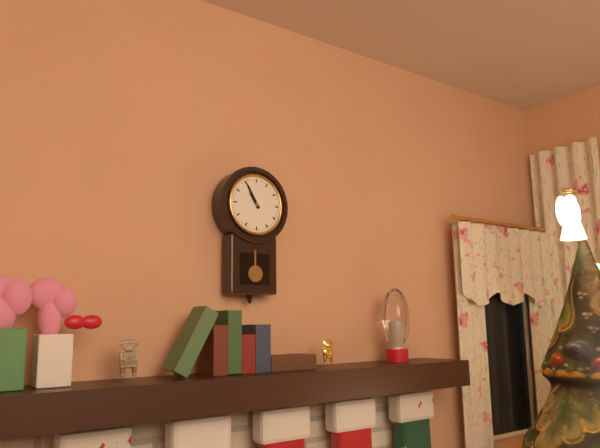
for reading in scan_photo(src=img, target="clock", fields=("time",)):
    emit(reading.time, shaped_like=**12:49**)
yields **10:55**
